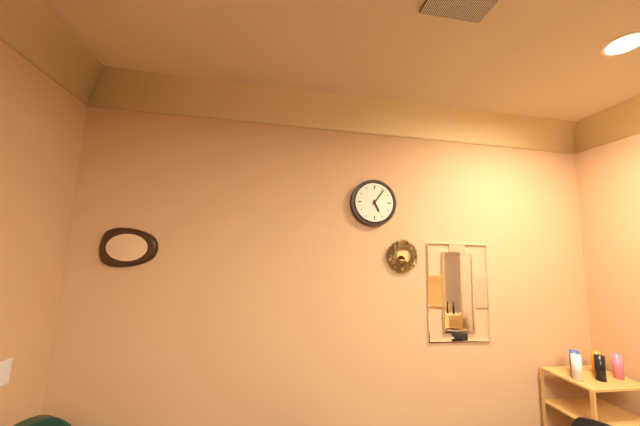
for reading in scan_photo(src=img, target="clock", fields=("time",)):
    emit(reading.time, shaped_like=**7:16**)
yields **5:06**
